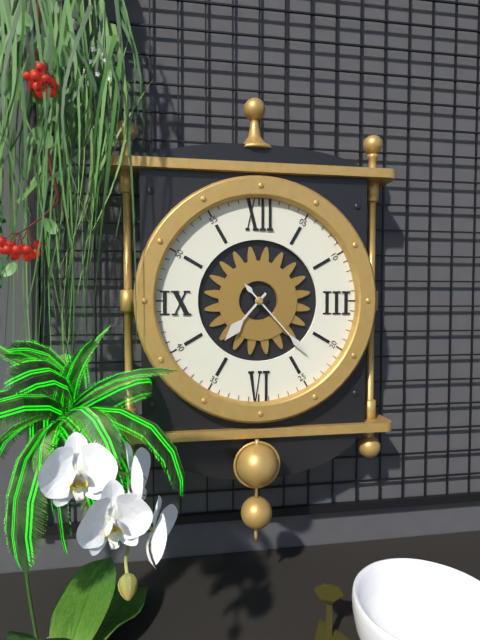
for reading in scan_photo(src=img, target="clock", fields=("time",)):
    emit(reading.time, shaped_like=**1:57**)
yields **7:23**
